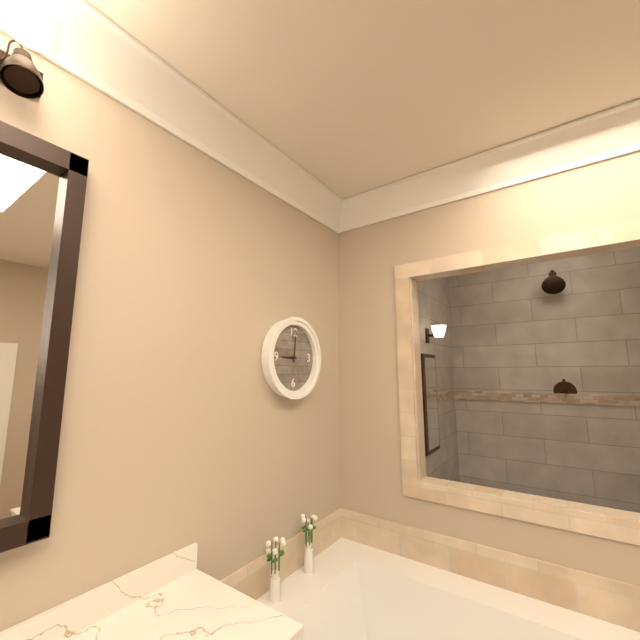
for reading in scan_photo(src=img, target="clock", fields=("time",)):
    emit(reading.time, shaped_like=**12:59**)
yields **9:01**
